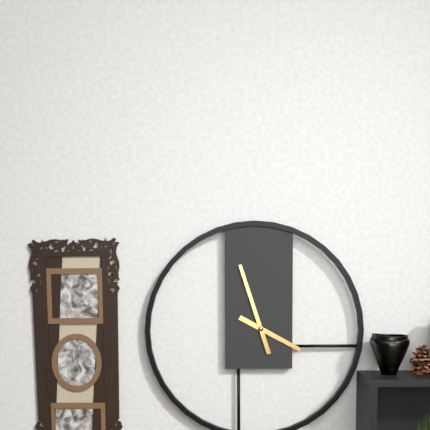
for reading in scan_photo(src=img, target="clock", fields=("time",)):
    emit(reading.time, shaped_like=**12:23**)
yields **3:57**
